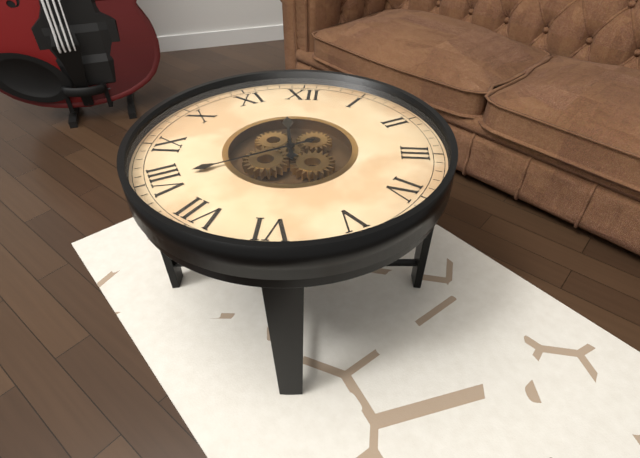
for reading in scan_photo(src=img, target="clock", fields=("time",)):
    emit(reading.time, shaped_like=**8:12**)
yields **11:40**
